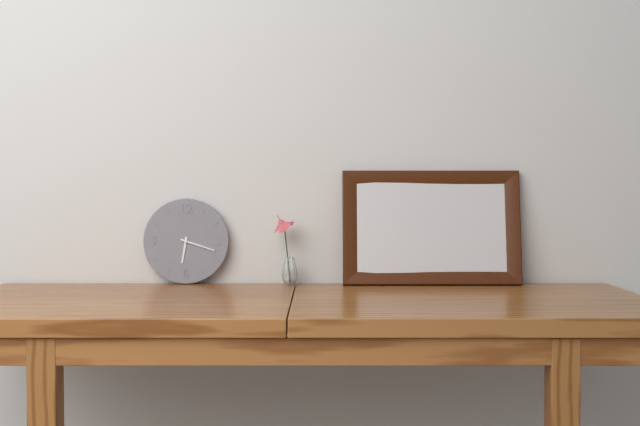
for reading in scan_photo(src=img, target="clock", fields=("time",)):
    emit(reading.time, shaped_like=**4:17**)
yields **6:18**
